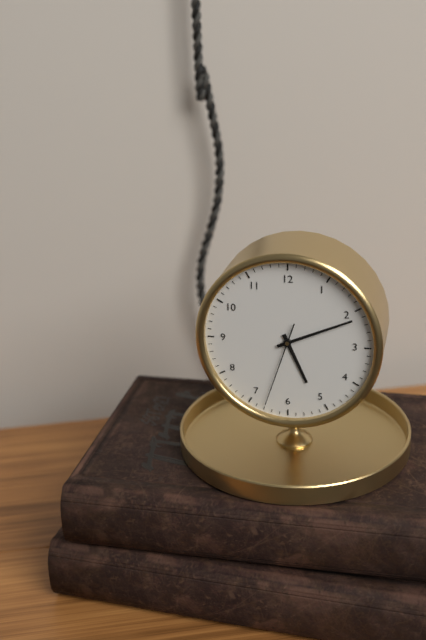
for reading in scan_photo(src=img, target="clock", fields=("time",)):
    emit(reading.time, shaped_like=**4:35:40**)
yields **5:11:33**
